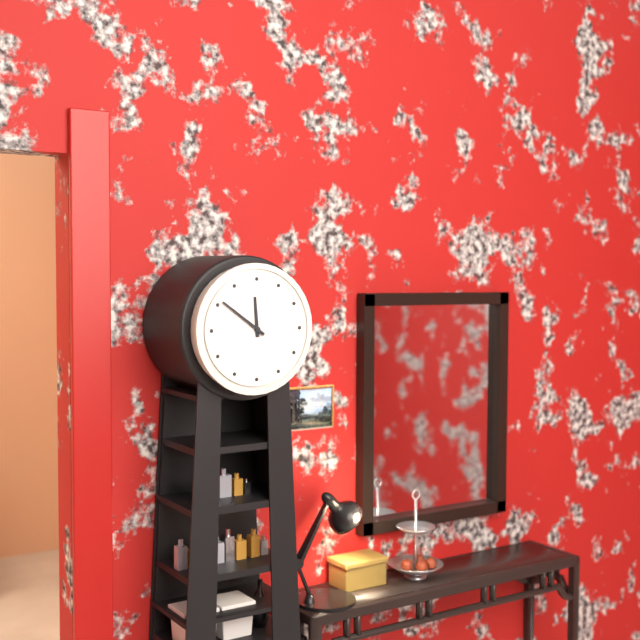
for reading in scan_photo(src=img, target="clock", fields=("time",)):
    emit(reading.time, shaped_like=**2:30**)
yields **11:51**
